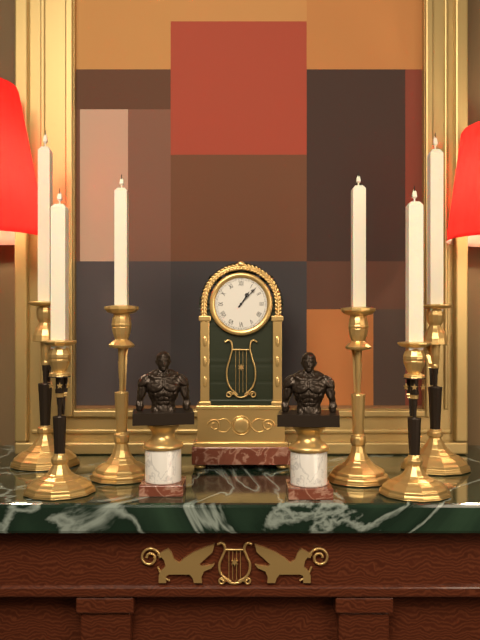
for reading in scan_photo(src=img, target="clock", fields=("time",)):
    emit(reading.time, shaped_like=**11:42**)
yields **1:07**
